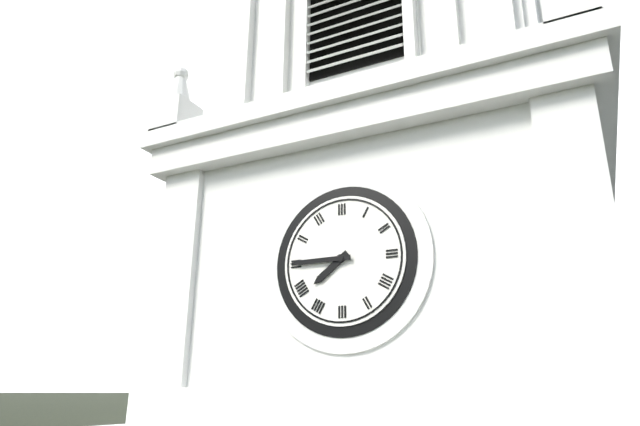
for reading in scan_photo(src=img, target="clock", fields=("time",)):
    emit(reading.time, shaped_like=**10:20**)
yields **7:45**
